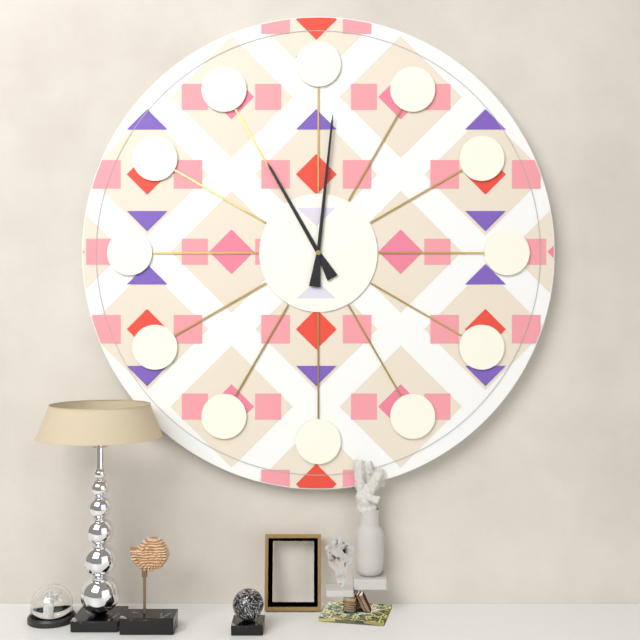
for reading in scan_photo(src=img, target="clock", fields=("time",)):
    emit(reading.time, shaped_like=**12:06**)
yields **11:01**
